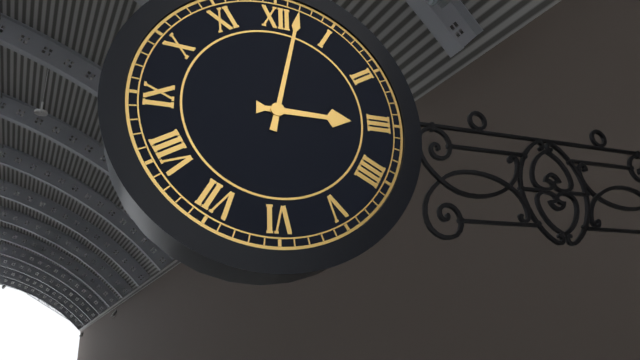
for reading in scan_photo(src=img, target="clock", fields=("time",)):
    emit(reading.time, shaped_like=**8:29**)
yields **3:02**
